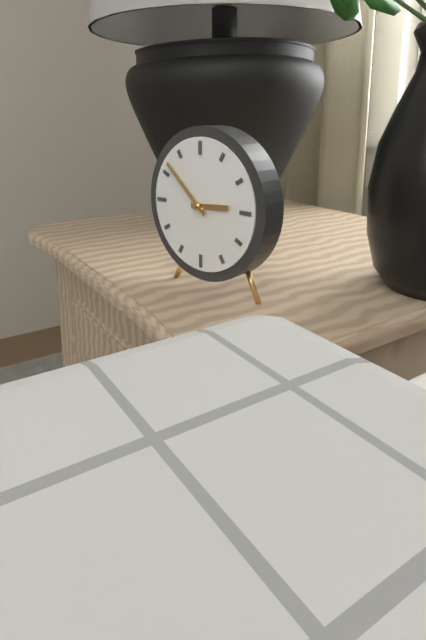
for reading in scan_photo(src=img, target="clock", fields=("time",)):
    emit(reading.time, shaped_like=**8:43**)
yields **2:52**
